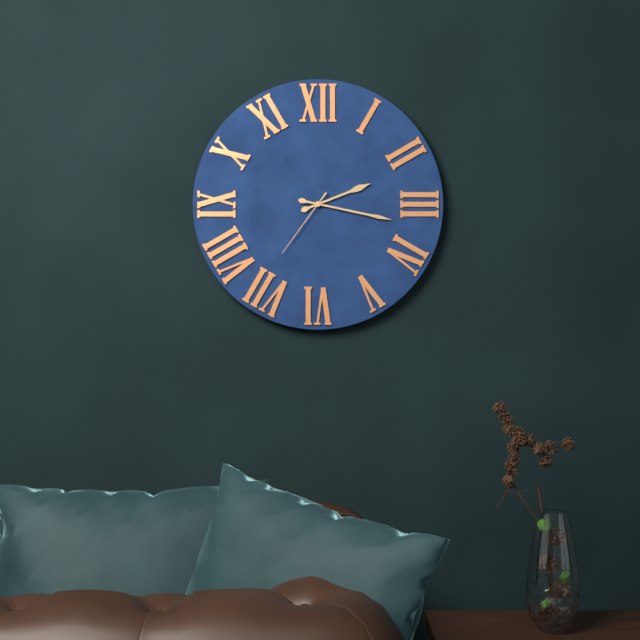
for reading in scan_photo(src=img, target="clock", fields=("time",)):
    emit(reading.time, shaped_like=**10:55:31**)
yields **2:17:36**
